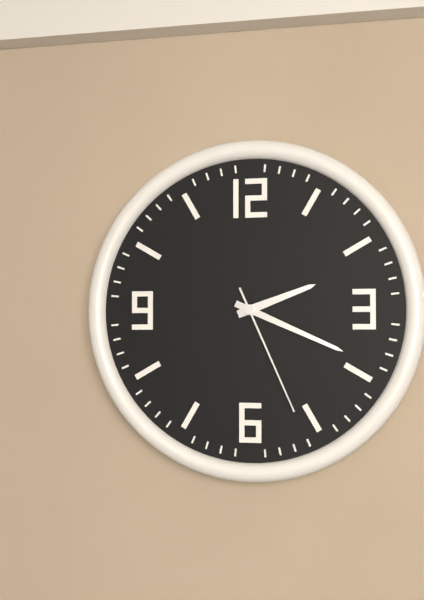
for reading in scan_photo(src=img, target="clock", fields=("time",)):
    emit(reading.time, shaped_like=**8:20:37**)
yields **2:19:26**
